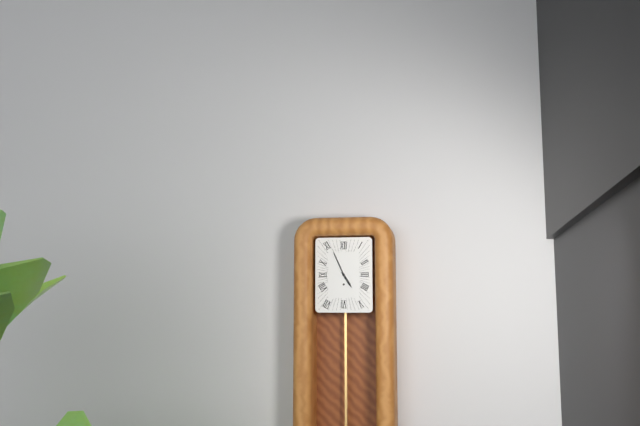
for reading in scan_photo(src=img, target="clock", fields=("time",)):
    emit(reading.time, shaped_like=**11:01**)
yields **4:56**
